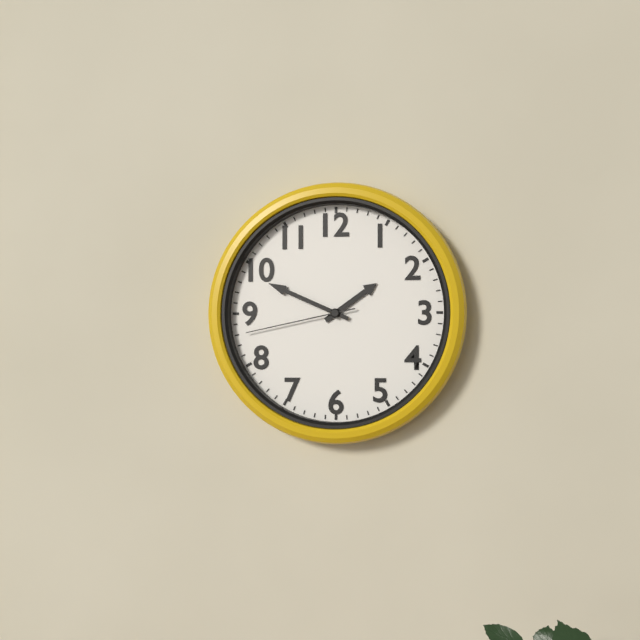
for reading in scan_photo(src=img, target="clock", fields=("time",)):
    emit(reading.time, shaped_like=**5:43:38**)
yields **1:49:43**
